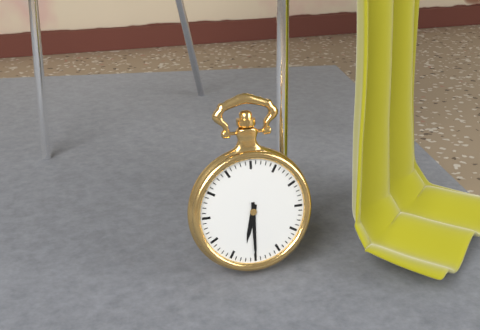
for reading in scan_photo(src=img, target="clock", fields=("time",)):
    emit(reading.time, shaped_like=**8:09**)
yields **6:30**
